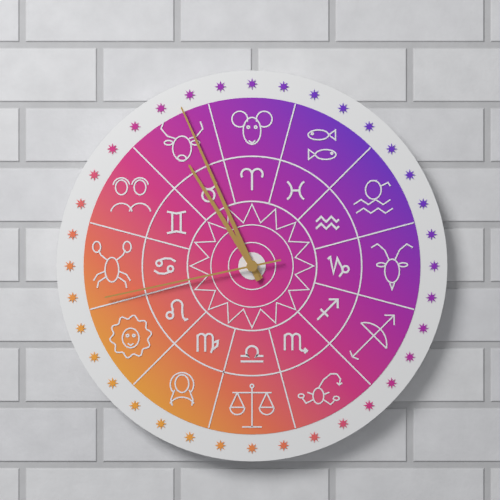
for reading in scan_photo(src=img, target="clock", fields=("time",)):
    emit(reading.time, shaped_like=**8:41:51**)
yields **10:56:43**
